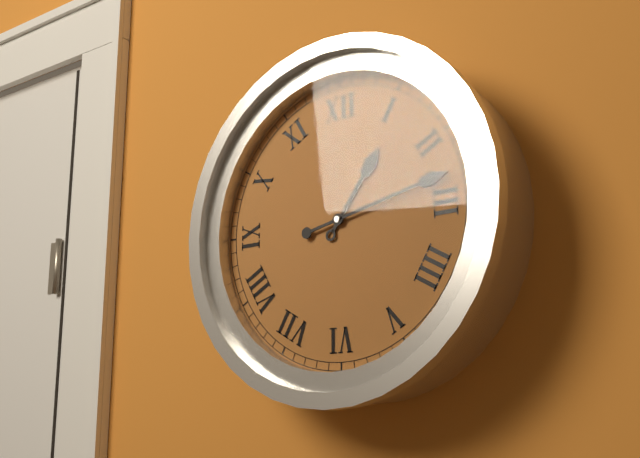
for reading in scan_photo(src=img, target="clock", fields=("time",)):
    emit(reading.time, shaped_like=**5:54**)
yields **1:13**
